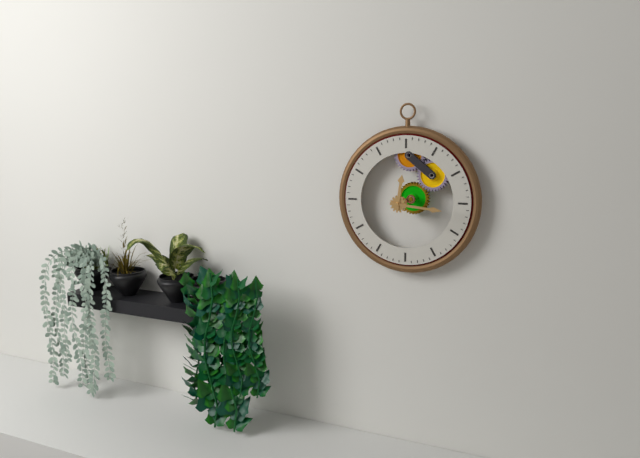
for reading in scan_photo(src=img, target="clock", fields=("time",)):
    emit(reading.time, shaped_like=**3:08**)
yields **12:16**
